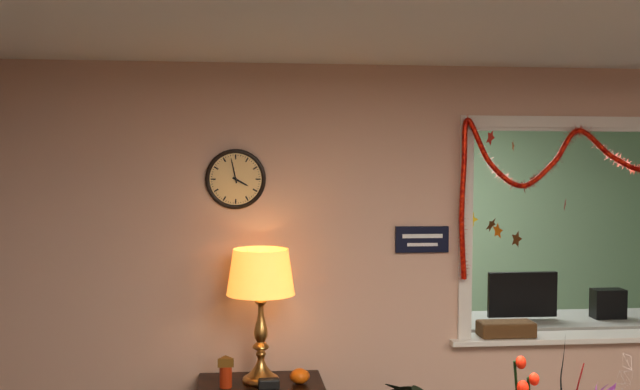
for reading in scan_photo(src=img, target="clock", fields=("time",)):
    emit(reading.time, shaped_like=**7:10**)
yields **3:58**
